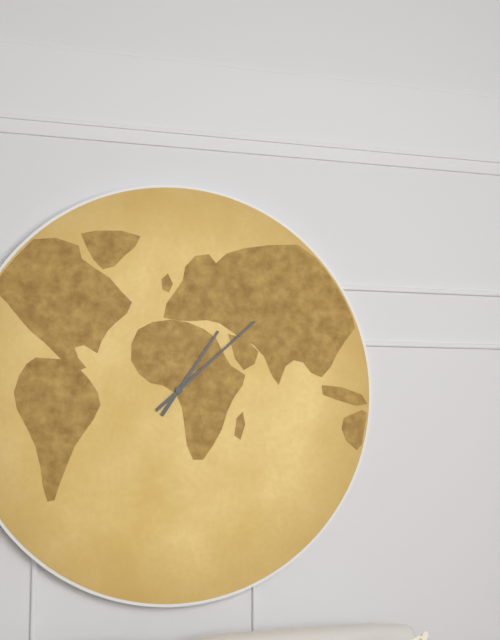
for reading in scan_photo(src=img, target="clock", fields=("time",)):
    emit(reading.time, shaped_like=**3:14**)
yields **1:08**
